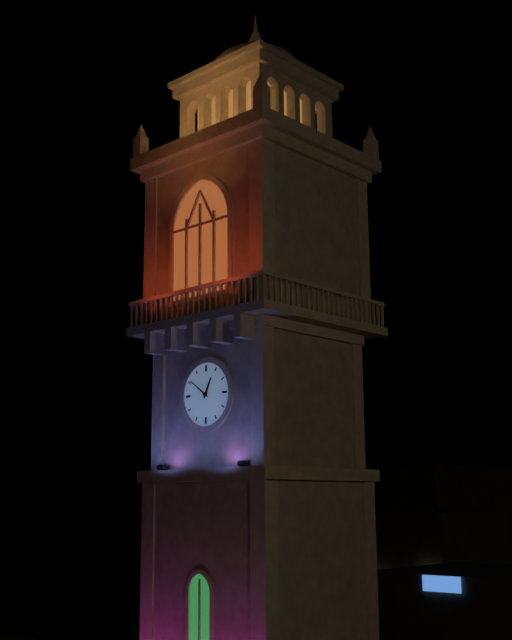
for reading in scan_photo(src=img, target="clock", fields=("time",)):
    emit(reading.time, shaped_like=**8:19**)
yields **12:51**
